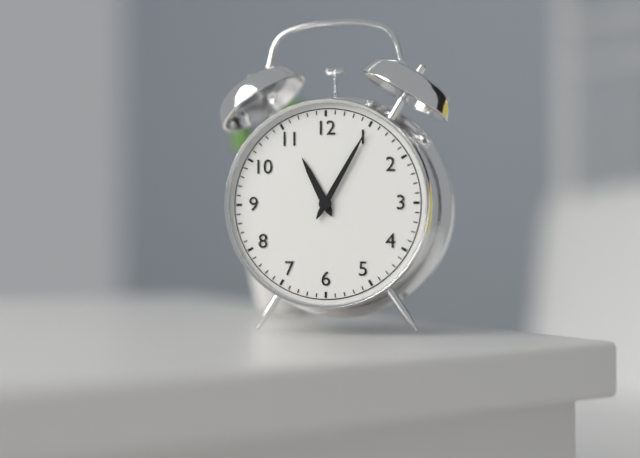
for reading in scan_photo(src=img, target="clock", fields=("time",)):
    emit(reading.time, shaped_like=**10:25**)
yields **11:05**
